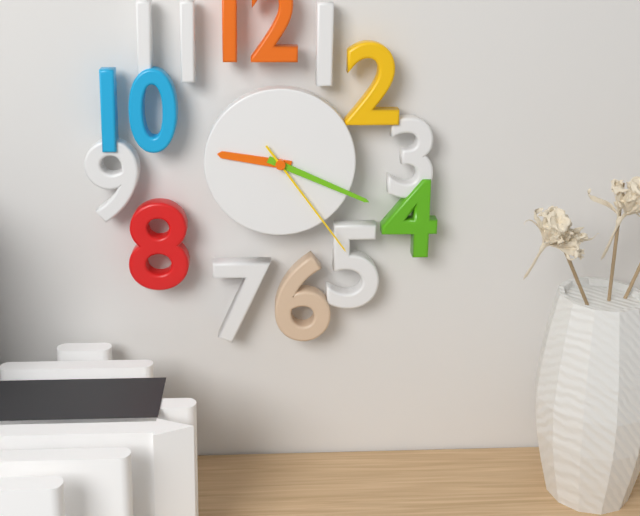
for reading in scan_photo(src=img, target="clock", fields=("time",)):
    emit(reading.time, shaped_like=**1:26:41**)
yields **9:19:24**
